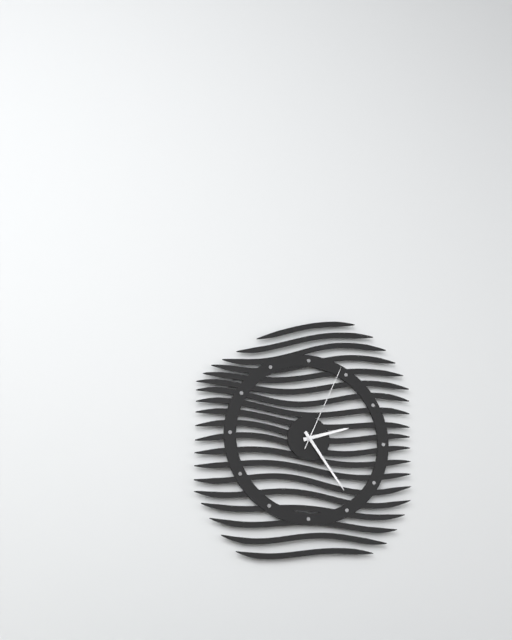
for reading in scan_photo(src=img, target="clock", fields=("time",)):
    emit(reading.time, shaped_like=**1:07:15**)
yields **2:24:04**
